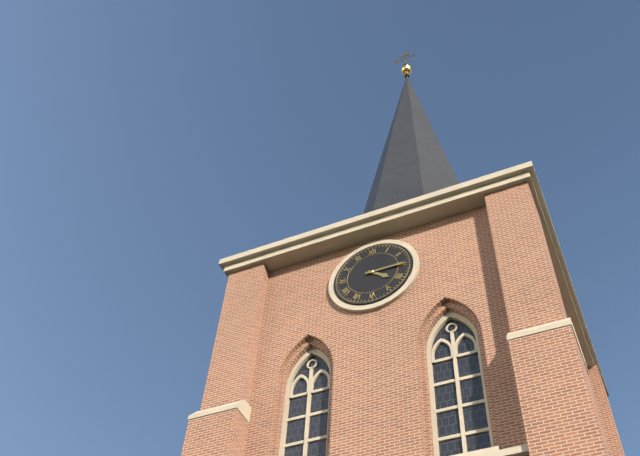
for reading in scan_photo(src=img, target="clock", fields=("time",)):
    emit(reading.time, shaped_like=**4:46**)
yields **4:15**
